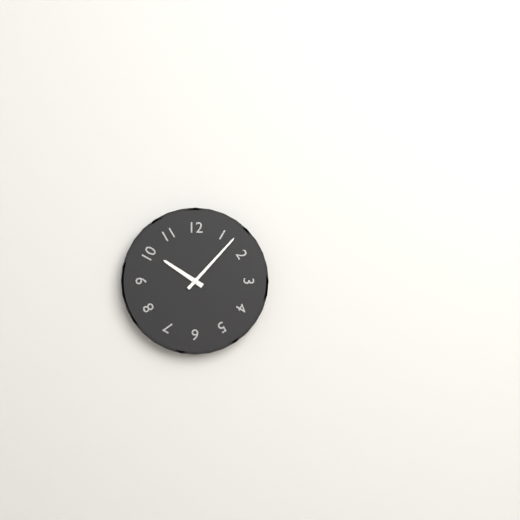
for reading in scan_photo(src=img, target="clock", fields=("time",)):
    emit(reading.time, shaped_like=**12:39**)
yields **10:07**
